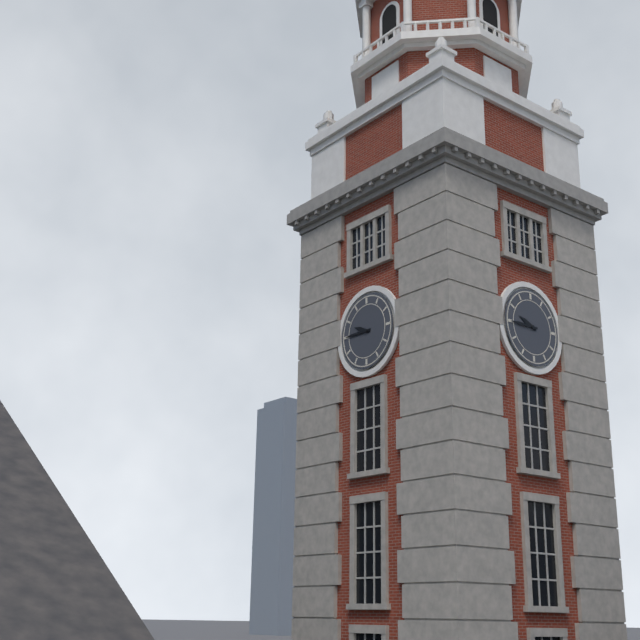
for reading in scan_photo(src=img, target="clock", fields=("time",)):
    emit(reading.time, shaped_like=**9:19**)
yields **9:45**
